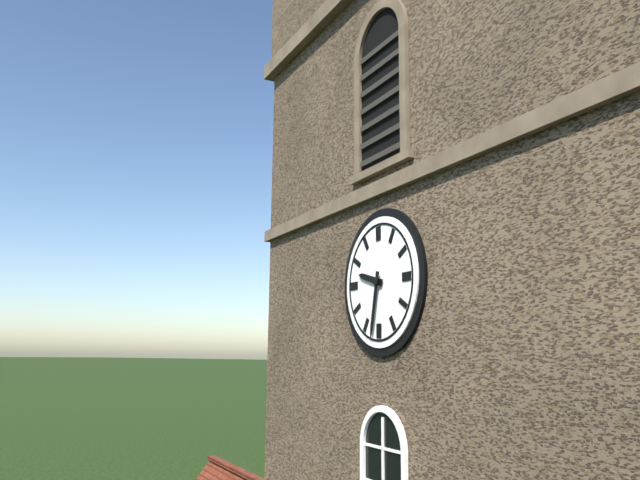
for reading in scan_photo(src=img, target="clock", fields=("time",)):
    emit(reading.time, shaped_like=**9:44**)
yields **9:32**
